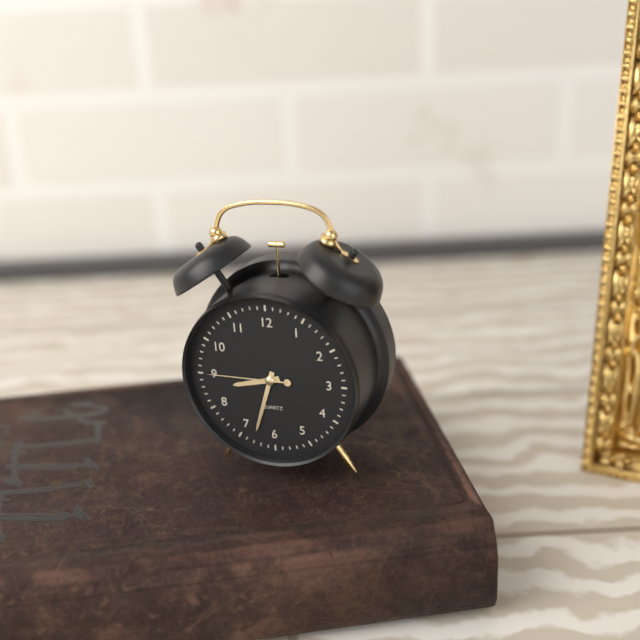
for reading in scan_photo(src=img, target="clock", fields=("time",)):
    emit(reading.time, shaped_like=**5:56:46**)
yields **8:33:45**
